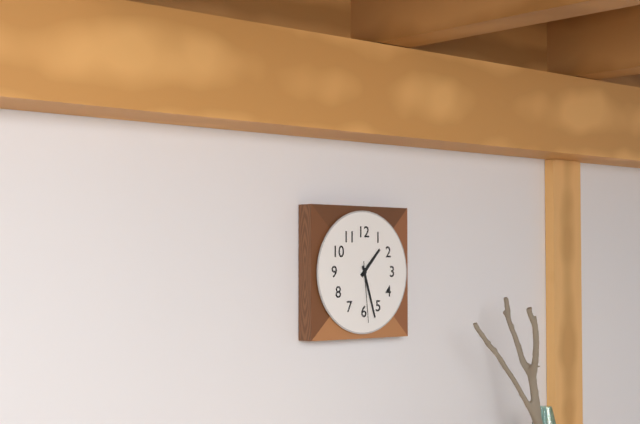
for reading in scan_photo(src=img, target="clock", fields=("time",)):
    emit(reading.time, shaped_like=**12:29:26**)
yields **1:27:29**
